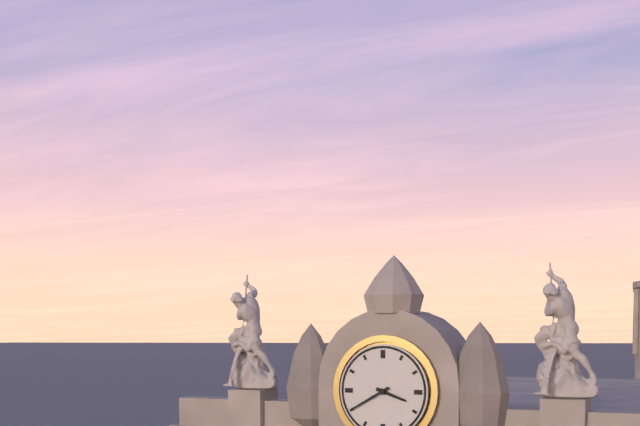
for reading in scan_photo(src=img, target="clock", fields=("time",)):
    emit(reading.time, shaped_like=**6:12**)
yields **3:40**
